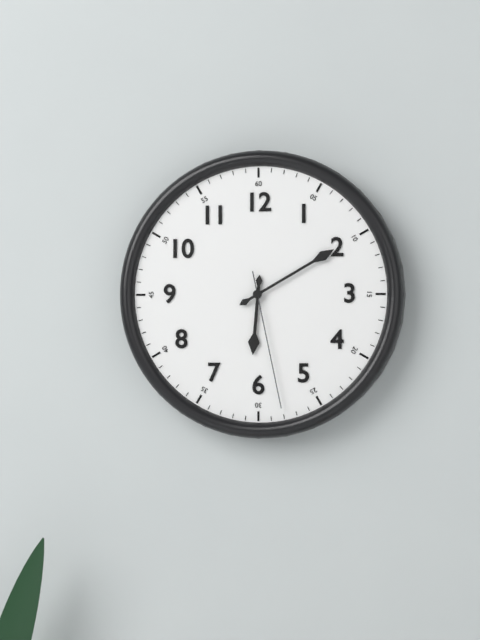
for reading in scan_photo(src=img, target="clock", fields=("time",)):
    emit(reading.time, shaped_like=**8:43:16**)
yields **6:10:28**
